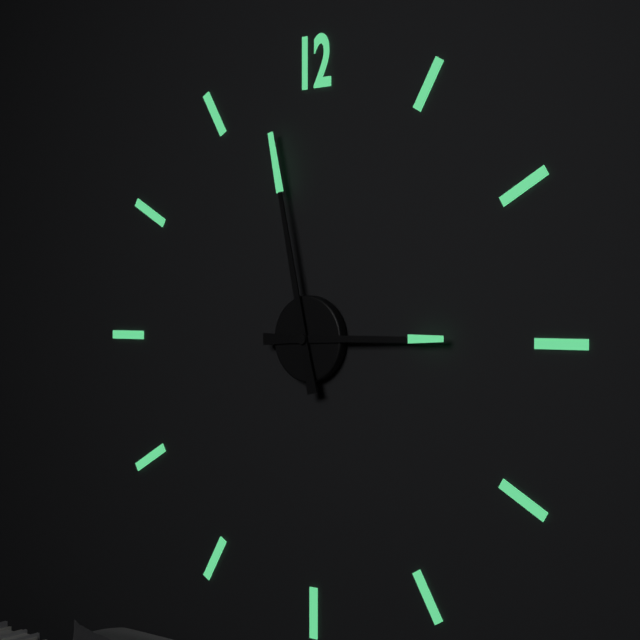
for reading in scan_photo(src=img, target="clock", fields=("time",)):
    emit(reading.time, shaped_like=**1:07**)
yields **2:58**
